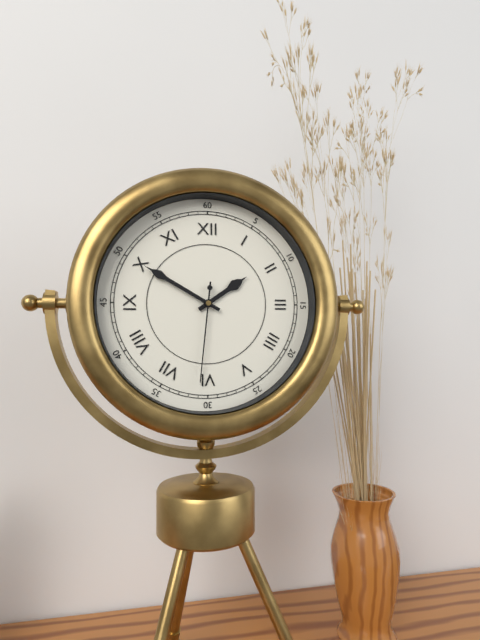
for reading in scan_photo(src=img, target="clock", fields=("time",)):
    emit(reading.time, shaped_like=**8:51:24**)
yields **1:50:31**
